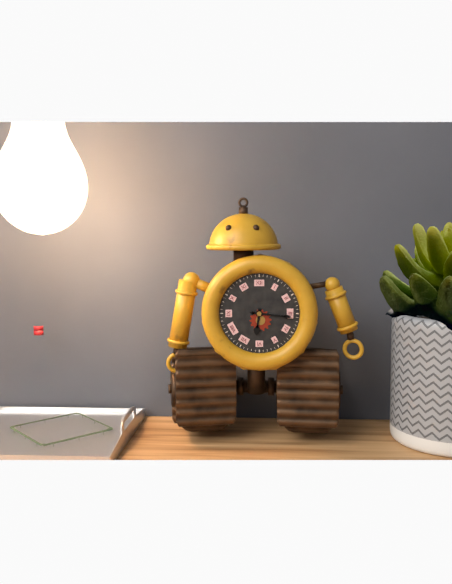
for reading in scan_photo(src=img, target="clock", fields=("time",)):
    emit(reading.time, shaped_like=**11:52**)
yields **6:16**
